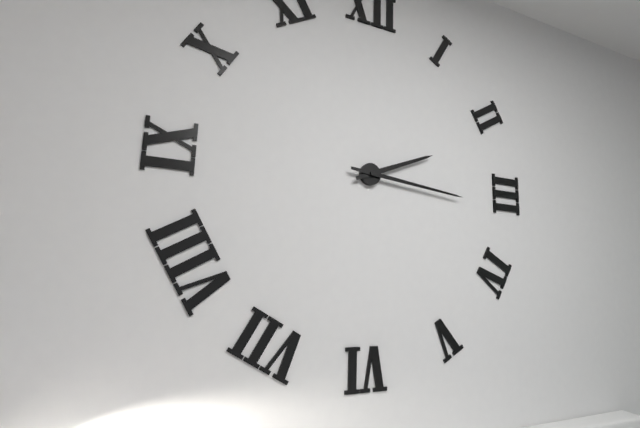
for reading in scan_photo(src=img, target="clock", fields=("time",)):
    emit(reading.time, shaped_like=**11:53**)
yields **2:16**
